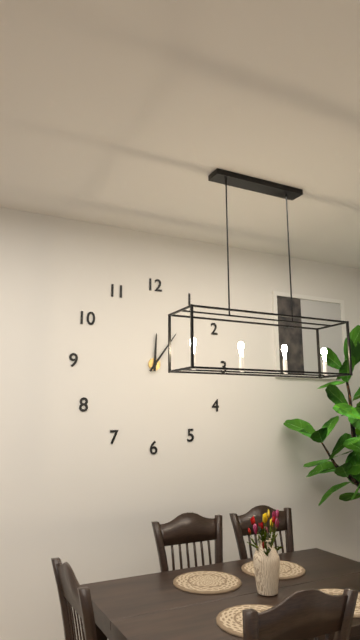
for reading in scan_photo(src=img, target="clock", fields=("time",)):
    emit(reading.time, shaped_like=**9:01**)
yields **12:06**
